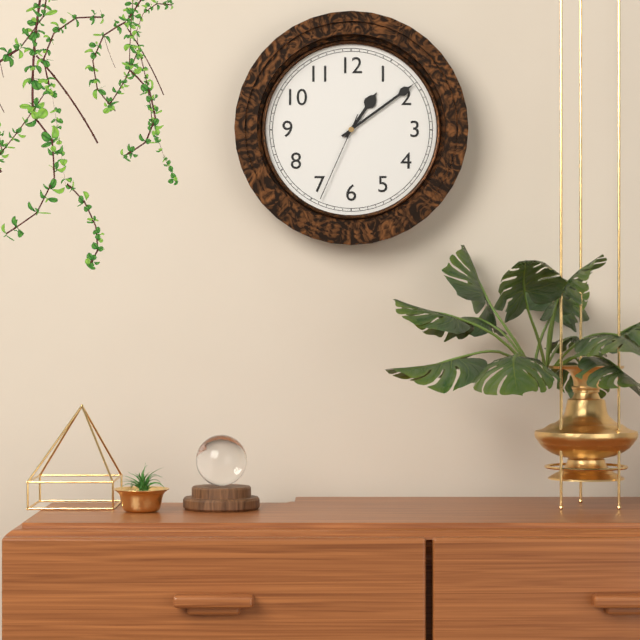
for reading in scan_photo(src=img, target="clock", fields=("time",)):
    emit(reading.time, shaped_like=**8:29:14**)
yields **1:09:34**
